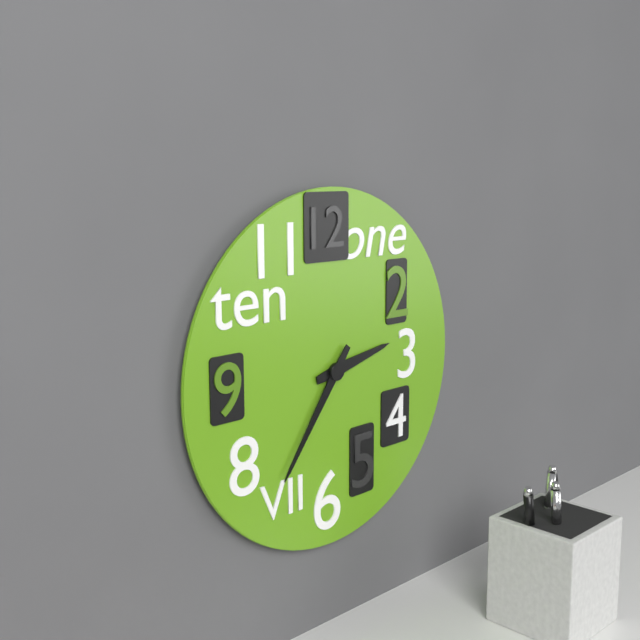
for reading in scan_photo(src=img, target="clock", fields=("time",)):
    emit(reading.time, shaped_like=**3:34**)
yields **2:36**
